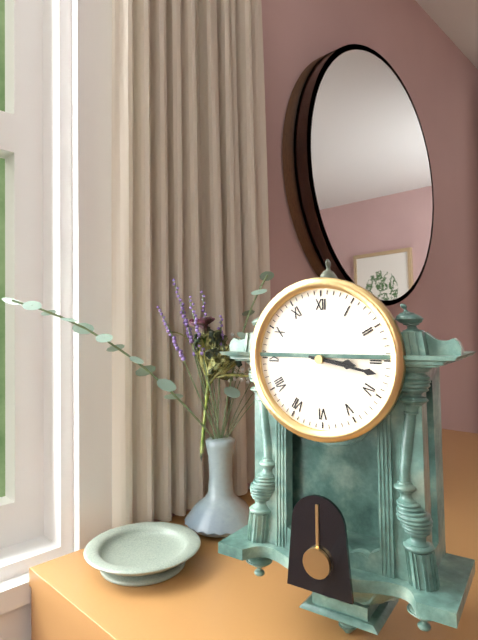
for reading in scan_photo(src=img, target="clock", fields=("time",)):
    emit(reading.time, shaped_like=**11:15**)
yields **3:17**
